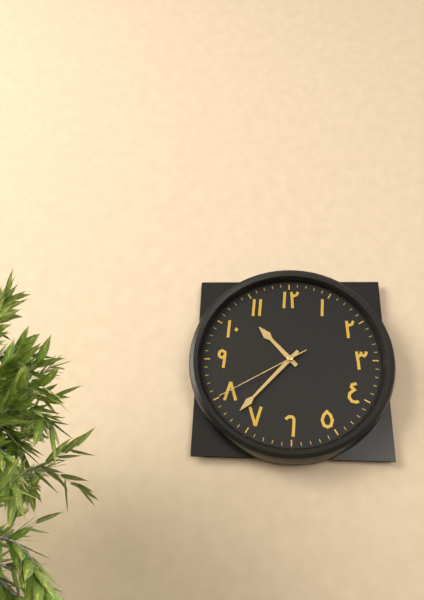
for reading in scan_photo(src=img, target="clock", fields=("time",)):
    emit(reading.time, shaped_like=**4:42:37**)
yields **10:37:40**
